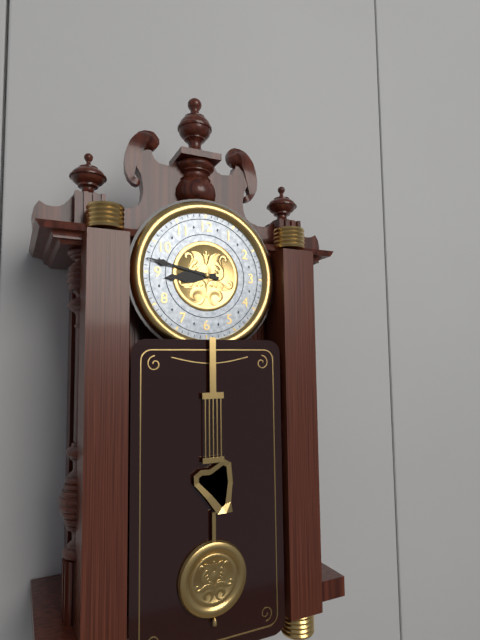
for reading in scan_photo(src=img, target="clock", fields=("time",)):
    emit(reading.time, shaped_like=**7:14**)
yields **8:47**
